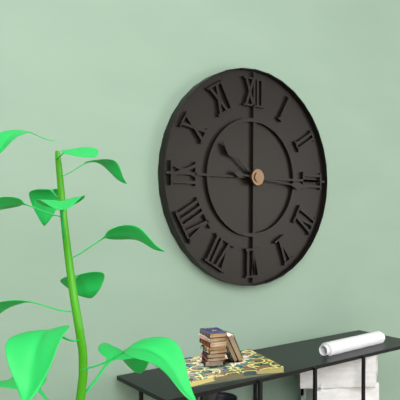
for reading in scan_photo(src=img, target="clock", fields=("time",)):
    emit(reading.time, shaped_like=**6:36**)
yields **10:16**
